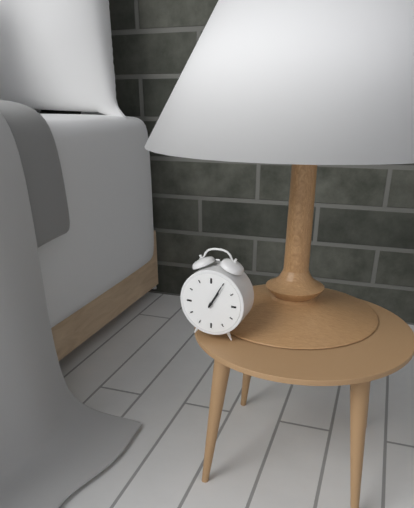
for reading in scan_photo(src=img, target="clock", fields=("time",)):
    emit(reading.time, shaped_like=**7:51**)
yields **1:05**
